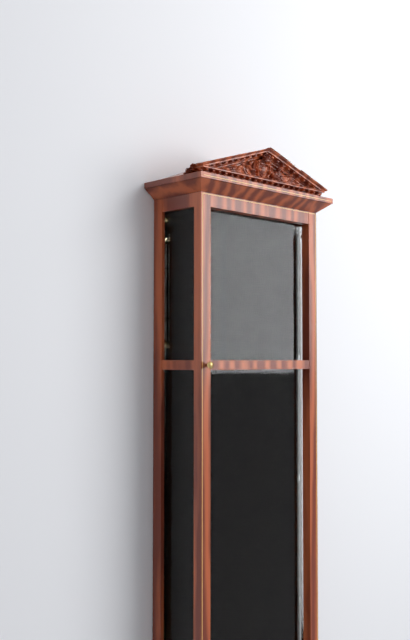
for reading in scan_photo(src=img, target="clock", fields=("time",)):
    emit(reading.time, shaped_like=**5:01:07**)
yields **12:33:05**
